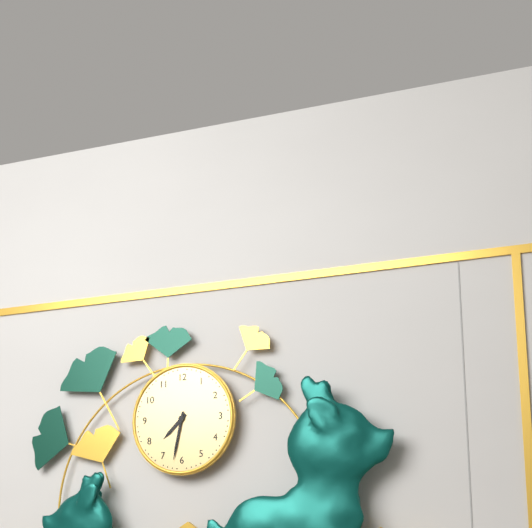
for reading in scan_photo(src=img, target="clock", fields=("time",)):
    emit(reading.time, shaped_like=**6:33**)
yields **7:32**
